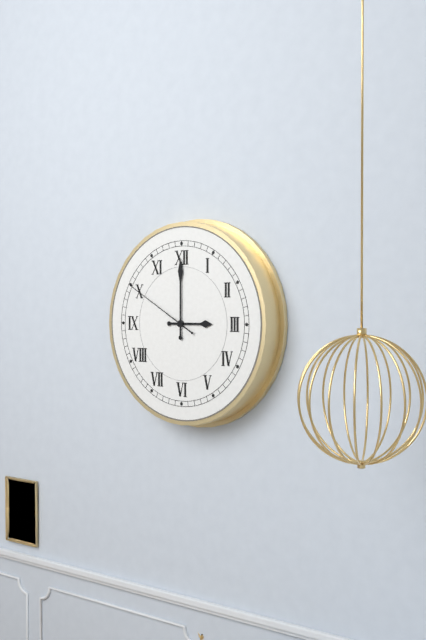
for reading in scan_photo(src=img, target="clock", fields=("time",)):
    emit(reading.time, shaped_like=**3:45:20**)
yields **3:00:50**
